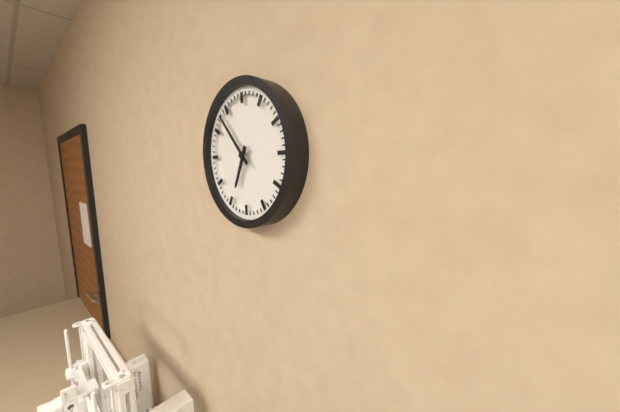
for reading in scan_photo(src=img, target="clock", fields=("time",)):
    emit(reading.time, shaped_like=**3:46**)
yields **6:53**
